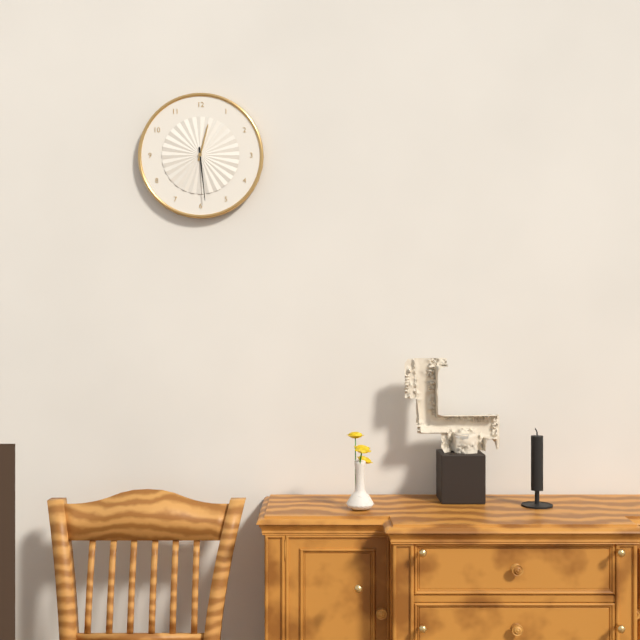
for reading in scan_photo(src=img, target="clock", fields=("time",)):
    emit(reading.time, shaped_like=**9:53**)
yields **12:29**
